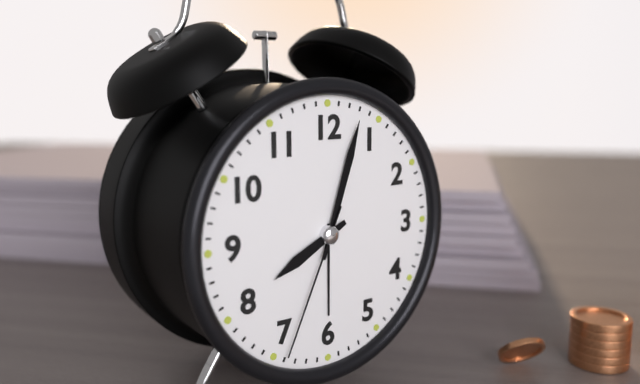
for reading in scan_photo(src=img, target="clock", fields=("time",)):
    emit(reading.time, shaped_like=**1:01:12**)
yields **8:03:34**
